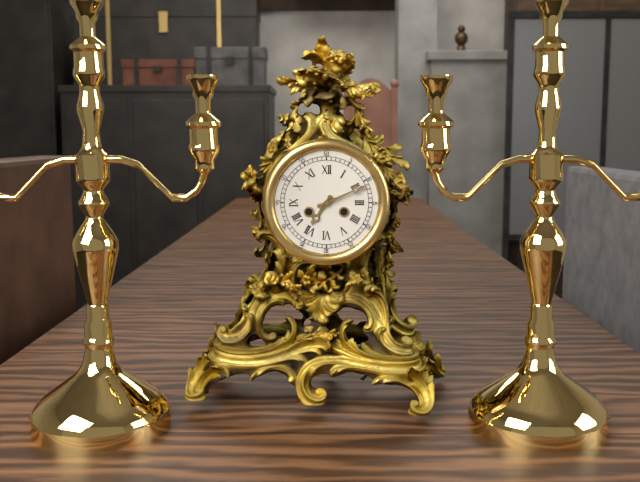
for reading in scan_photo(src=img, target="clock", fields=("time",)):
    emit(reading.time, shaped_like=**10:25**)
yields **7:11**
